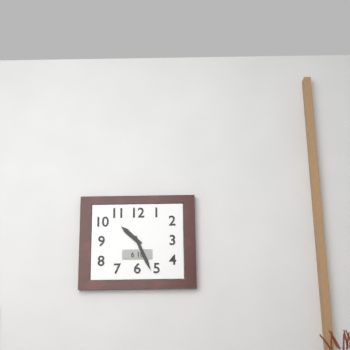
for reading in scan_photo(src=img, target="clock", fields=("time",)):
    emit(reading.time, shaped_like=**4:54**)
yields **10:26**
